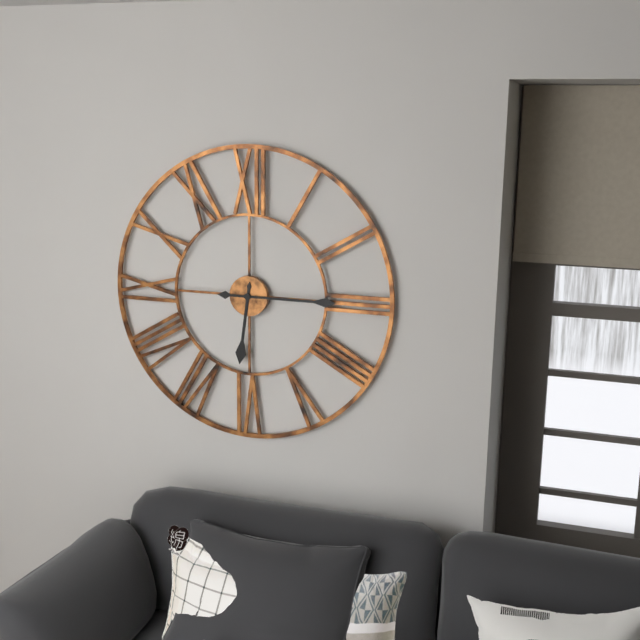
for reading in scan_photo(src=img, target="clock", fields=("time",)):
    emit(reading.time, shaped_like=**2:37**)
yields **6:15**
